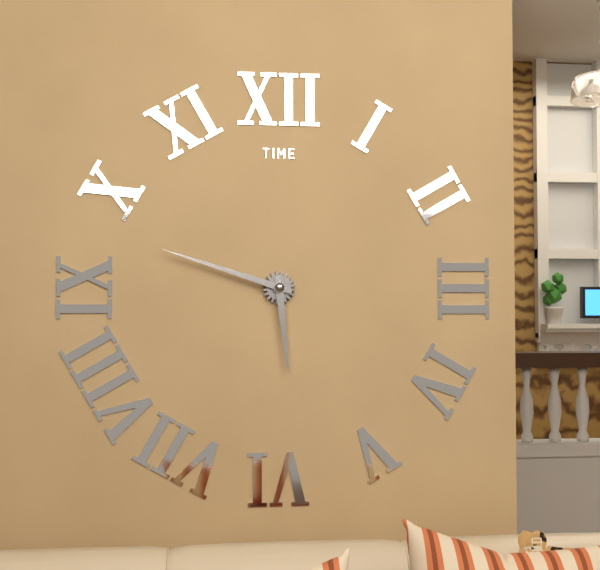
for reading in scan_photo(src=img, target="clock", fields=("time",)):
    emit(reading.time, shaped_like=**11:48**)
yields **5:48**
